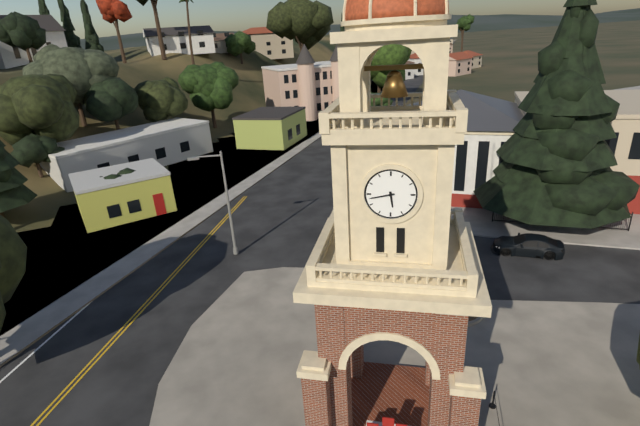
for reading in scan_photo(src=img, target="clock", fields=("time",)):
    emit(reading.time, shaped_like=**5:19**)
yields **5:43**
